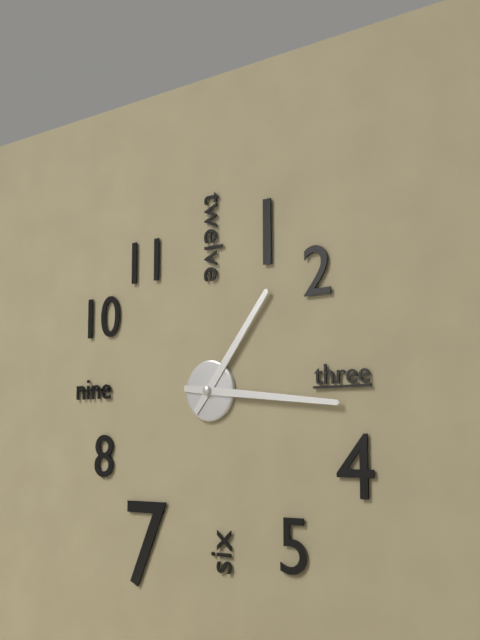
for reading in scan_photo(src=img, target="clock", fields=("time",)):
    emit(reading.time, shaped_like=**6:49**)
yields **1:16**
